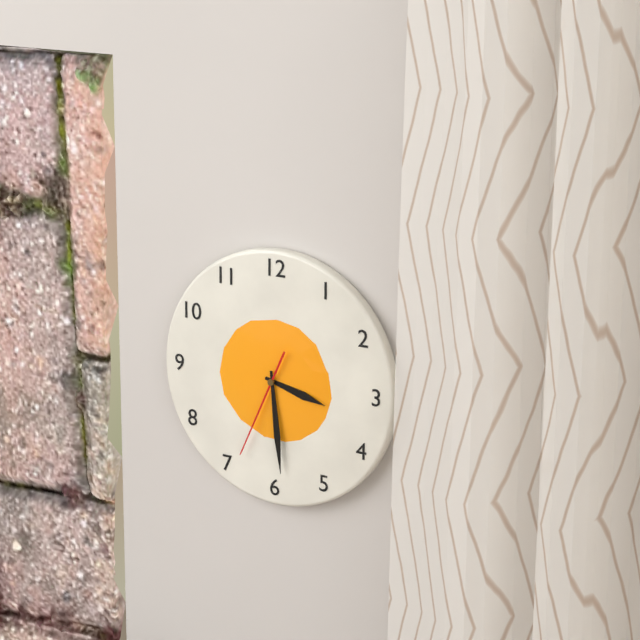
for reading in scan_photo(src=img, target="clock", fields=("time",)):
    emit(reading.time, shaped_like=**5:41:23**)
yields **3:29:34**
